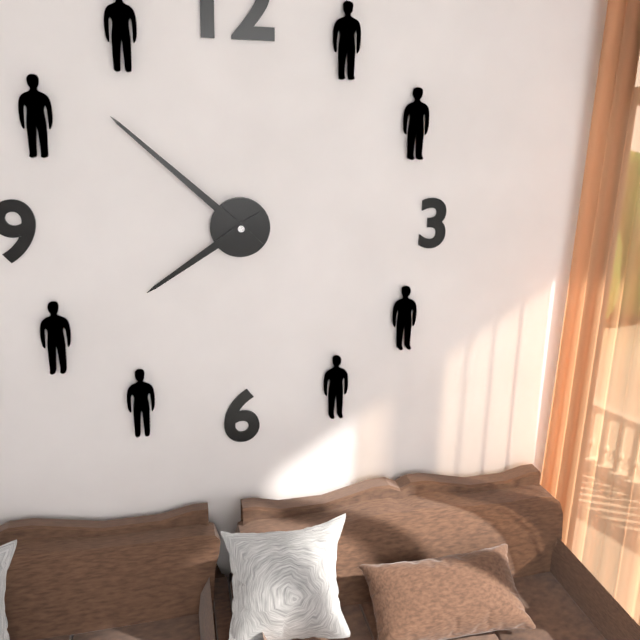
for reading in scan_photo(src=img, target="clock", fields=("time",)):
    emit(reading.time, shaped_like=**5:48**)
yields **7:52**
